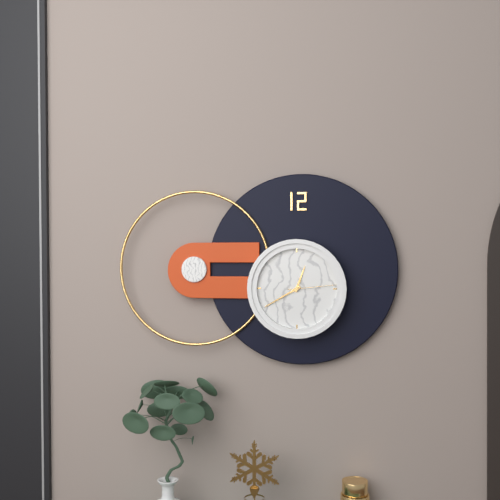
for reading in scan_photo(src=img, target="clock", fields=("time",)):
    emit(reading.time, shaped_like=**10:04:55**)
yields **12:40:14**
